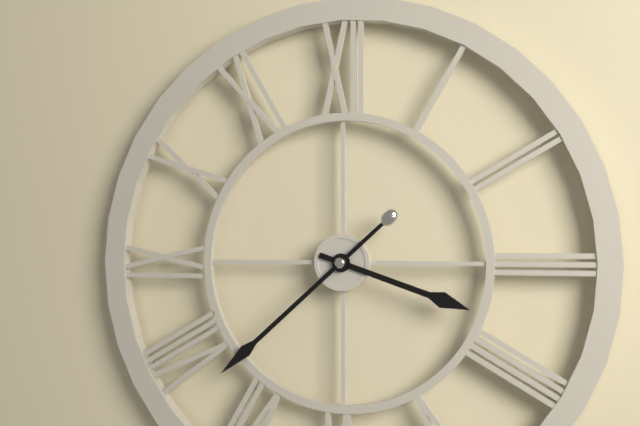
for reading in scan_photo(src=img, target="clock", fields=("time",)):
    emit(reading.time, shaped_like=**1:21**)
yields **3:38**
